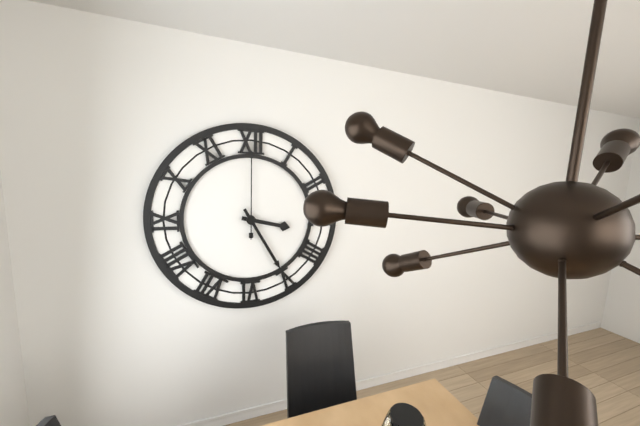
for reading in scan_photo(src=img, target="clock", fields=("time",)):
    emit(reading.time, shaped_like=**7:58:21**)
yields **3:25:00**
